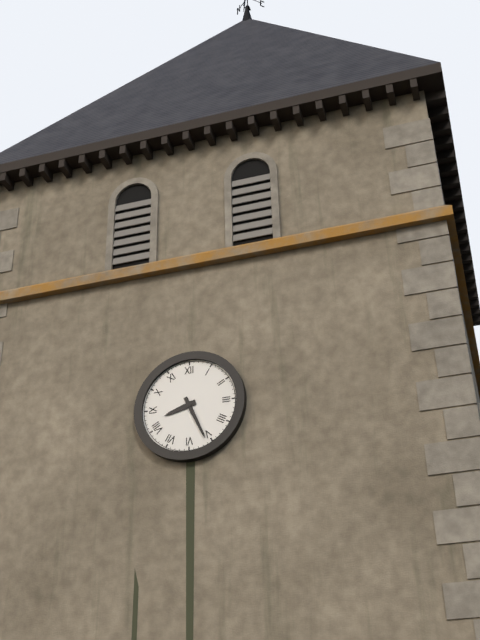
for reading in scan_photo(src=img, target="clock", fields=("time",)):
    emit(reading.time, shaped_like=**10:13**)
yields **8:26**
